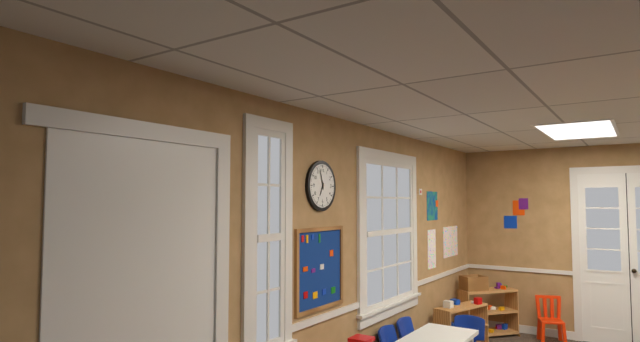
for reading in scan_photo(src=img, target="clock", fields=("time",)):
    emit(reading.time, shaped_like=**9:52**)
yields **6:57**
